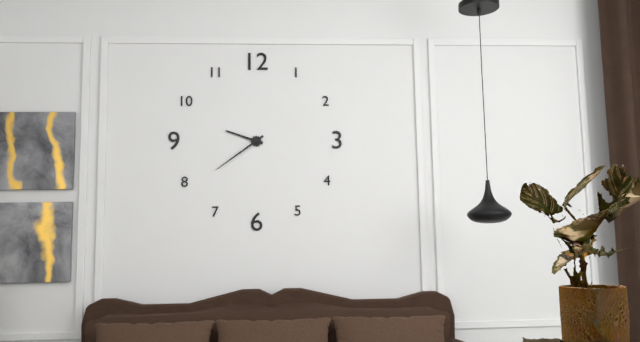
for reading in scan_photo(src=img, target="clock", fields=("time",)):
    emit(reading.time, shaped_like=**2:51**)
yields **9:39**
